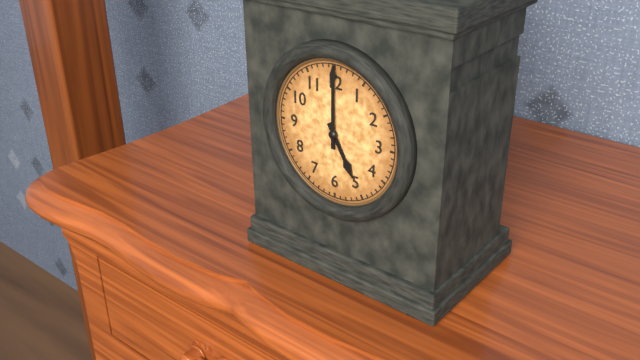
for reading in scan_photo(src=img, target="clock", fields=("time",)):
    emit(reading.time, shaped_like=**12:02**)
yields **5:00**
